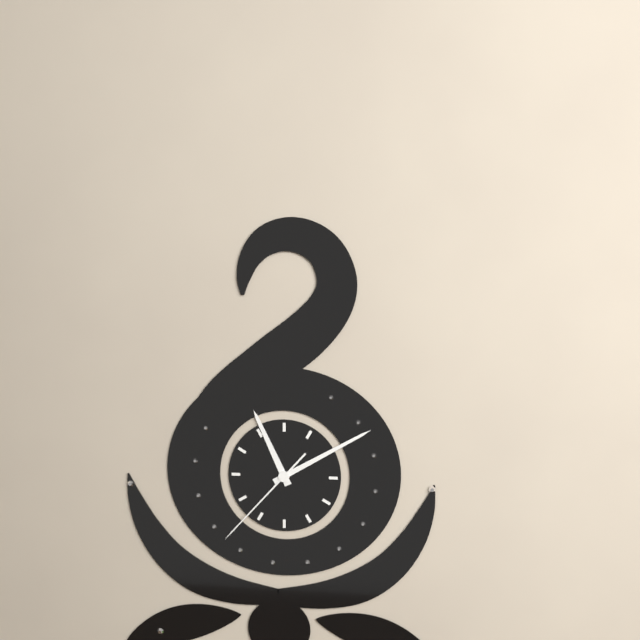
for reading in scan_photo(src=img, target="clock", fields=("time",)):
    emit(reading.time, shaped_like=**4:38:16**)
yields **11:10:37**
